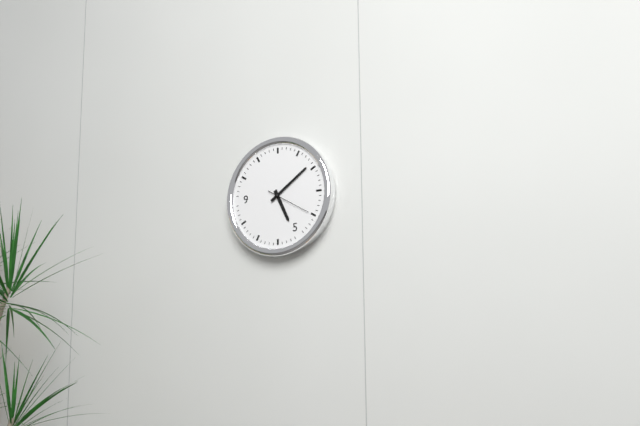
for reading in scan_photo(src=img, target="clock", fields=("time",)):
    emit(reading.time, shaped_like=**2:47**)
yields **5:09**
